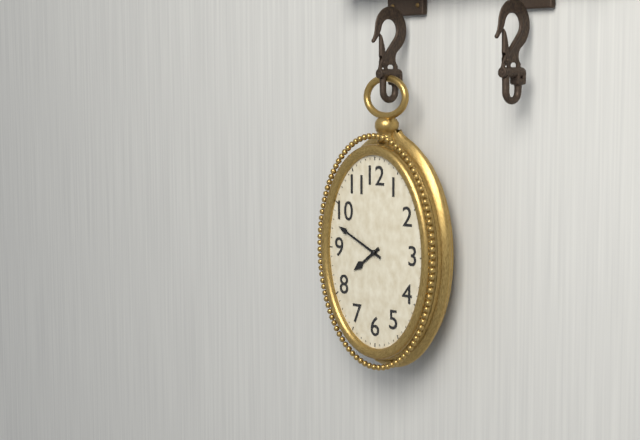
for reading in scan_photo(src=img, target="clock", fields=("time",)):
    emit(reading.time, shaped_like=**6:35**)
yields **7:49**
